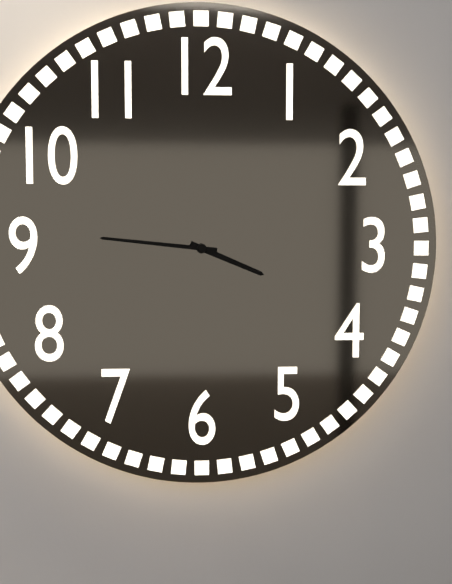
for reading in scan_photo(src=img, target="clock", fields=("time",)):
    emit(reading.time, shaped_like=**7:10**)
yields **3:46**
